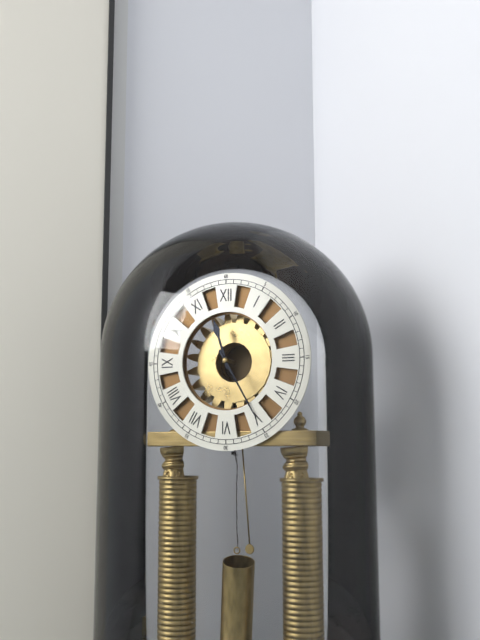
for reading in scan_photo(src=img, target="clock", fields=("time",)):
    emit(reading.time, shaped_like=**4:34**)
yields **11:25**
